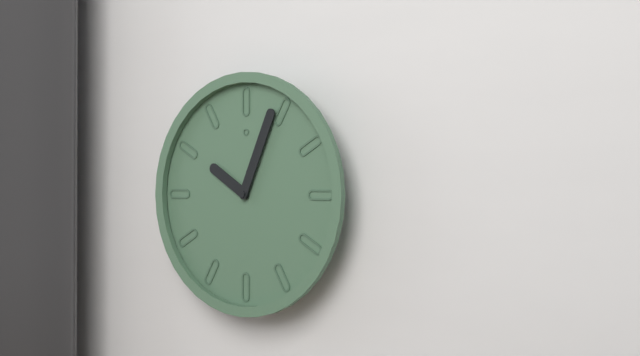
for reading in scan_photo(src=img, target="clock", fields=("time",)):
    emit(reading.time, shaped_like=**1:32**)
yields **10:04**
